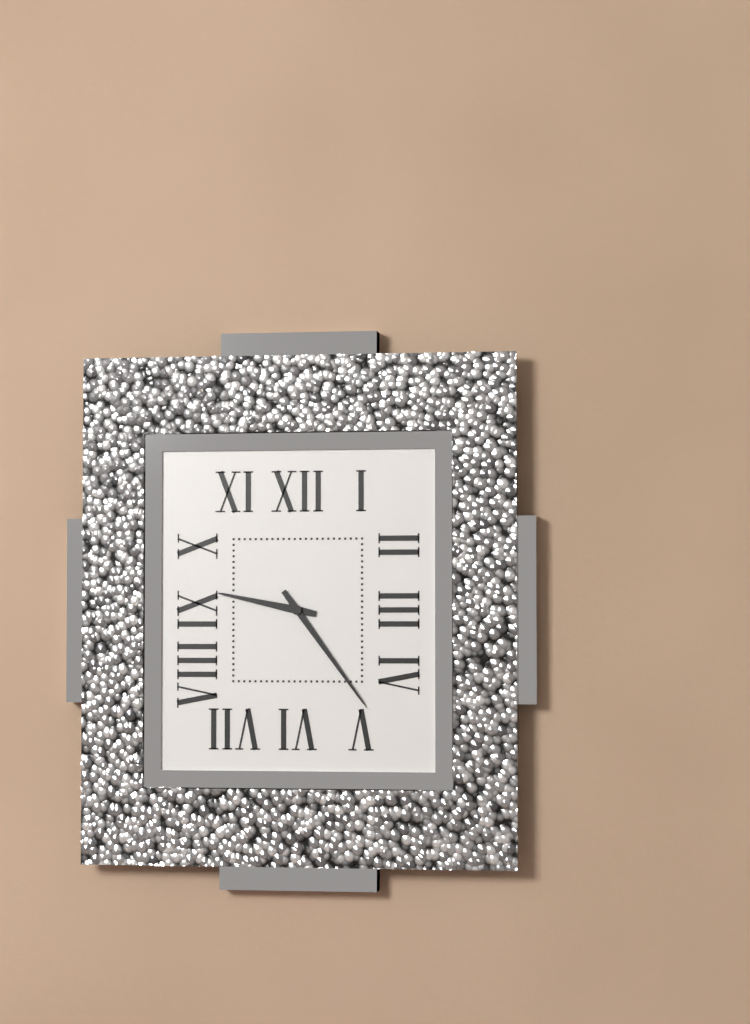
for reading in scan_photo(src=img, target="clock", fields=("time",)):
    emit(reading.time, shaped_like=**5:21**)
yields **9:24**
